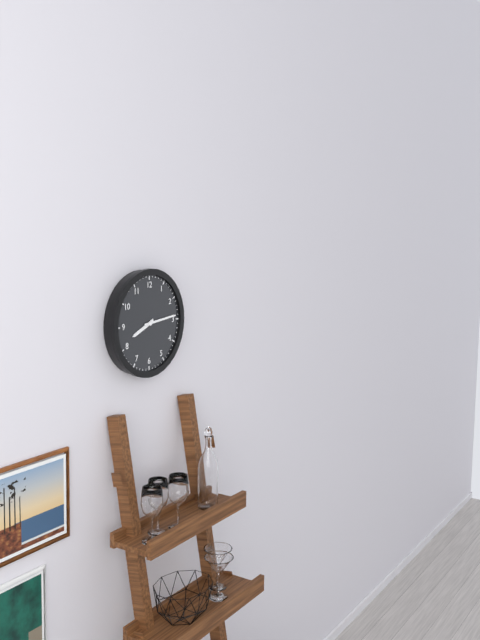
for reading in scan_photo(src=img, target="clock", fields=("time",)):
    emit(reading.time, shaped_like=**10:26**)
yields **8:14**
